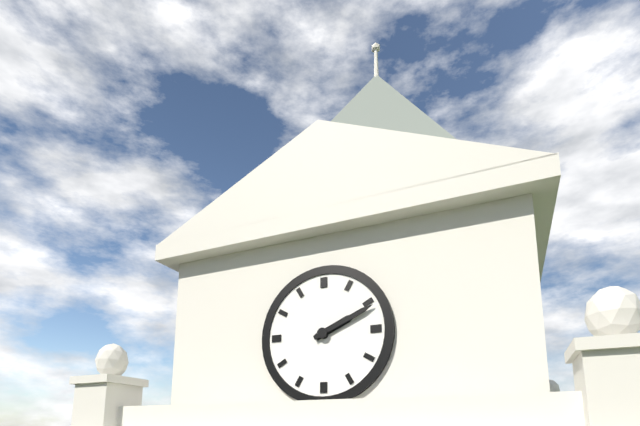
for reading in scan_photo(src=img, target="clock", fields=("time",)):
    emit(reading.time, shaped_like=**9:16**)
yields **2:11**
